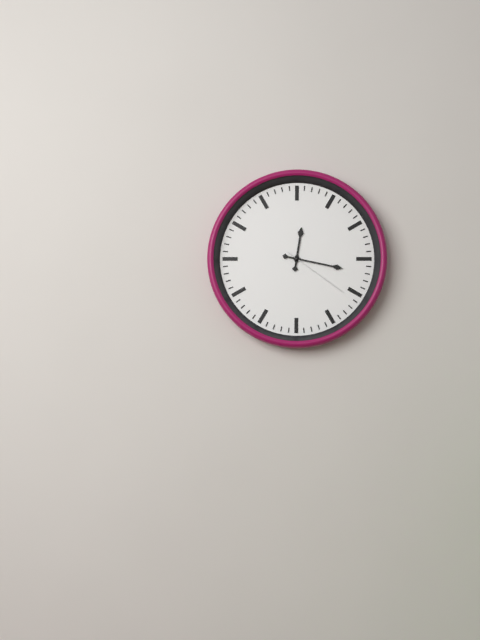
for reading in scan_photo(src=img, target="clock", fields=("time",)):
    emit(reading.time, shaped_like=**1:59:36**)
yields **12:17:21**
